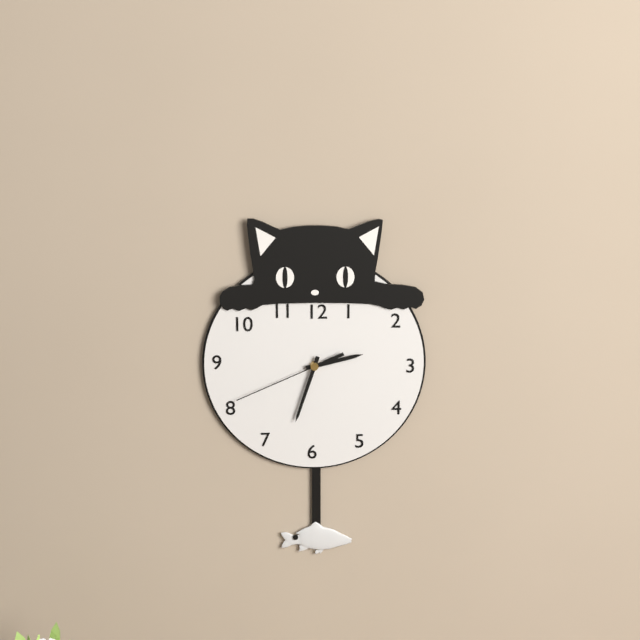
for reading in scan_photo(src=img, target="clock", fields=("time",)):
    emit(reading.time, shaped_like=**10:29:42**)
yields **2:33:41**
